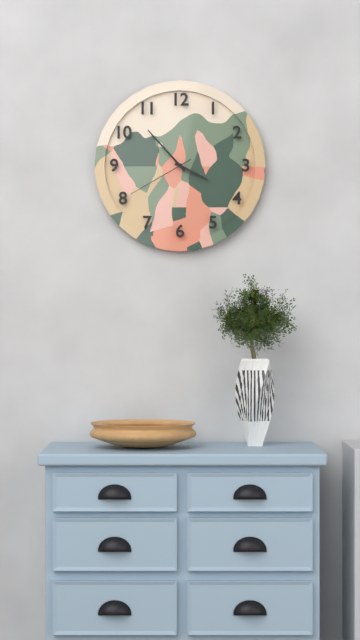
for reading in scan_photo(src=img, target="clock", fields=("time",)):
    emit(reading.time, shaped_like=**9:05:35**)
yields **3:53:40**
